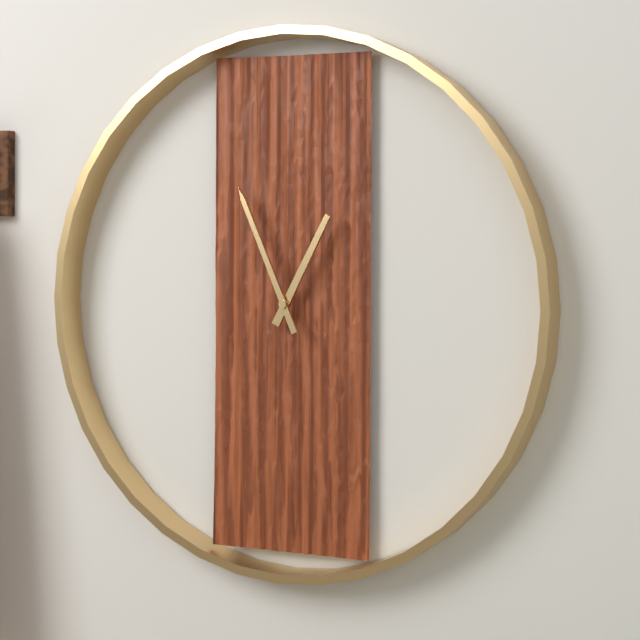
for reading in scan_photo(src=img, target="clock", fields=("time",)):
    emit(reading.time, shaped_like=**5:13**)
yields **12:56**
